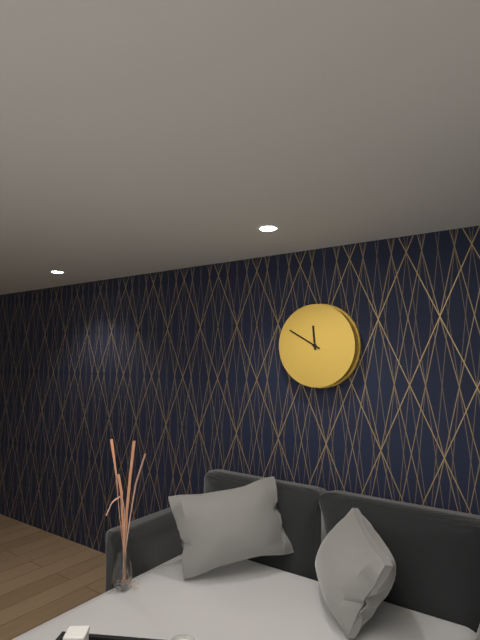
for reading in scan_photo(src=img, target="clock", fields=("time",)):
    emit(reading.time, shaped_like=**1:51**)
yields **11:50**
